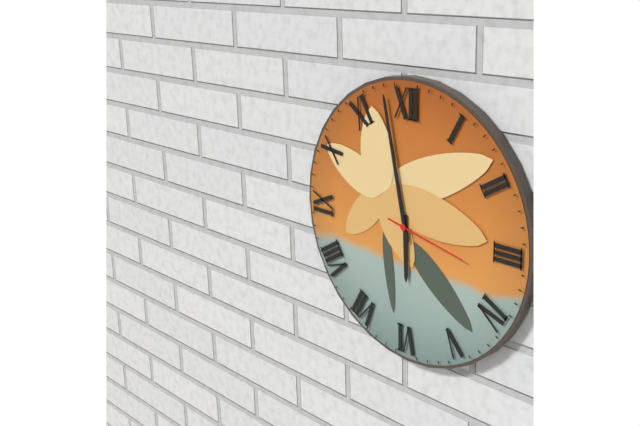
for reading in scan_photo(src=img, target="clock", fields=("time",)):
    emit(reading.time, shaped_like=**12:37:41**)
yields **5:58:17**
